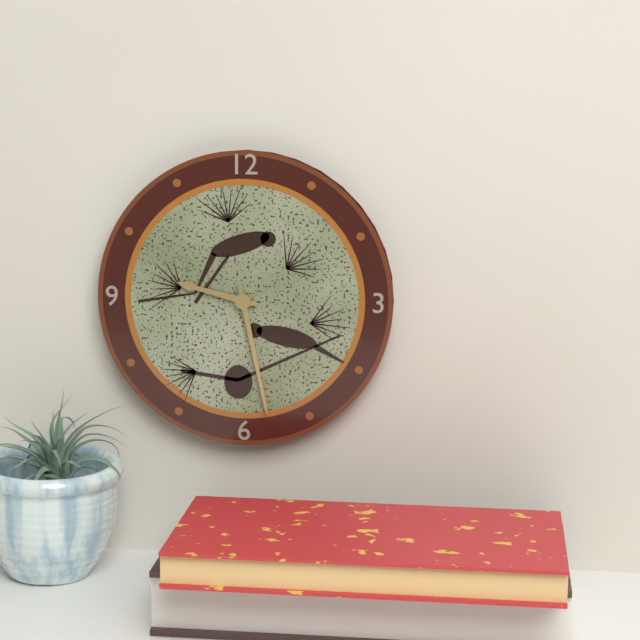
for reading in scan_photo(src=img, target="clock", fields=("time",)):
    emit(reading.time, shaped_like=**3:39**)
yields **9:28**
